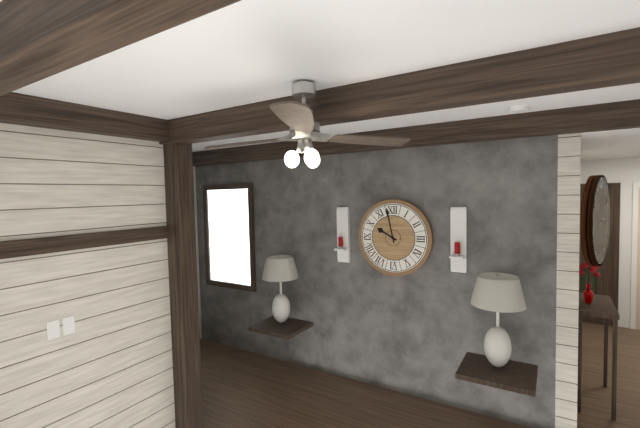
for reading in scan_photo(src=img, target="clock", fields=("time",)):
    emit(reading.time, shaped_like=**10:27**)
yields **9:58**
